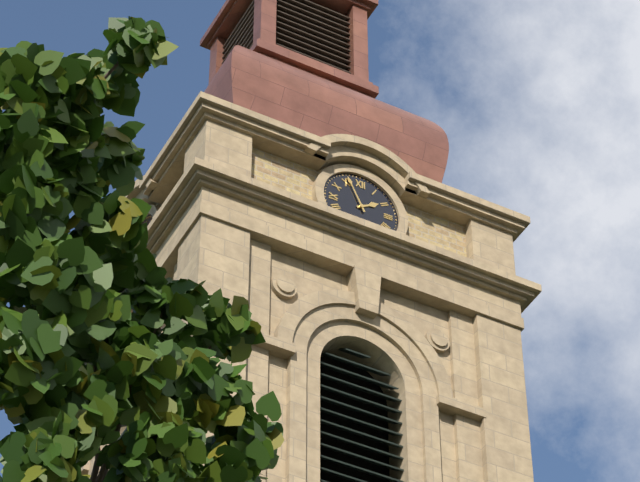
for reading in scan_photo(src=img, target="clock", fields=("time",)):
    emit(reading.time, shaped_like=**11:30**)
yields **1:56**
